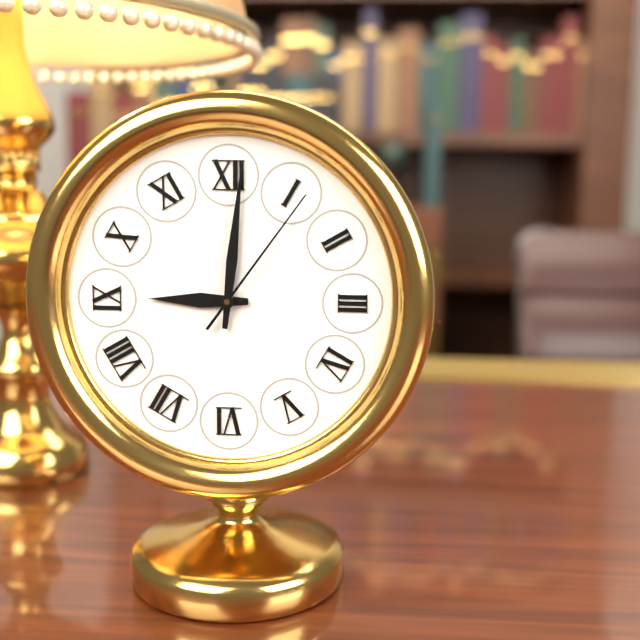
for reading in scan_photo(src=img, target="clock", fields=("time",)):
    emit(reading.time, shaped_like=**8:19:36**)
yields **9:01:06**
